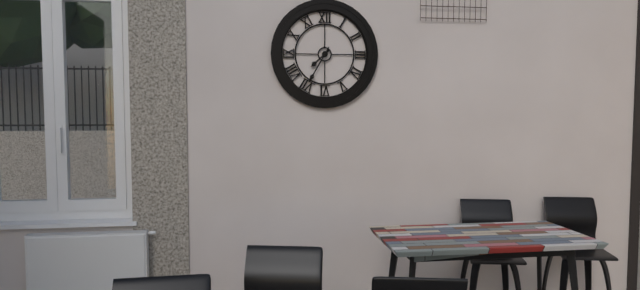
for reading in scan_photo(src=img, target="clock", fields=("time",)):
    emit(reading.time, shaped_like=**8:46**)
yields **7:35**
